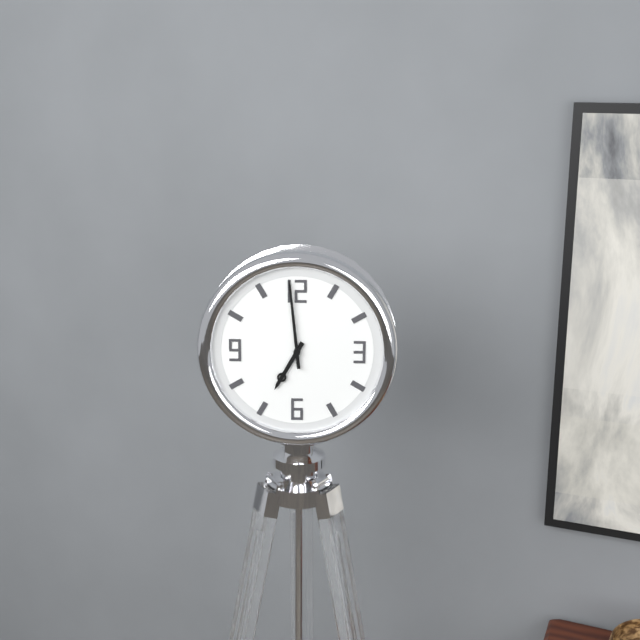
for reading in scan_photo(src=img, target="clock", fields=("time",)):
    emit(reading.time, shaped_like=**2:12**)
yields **6:59**
